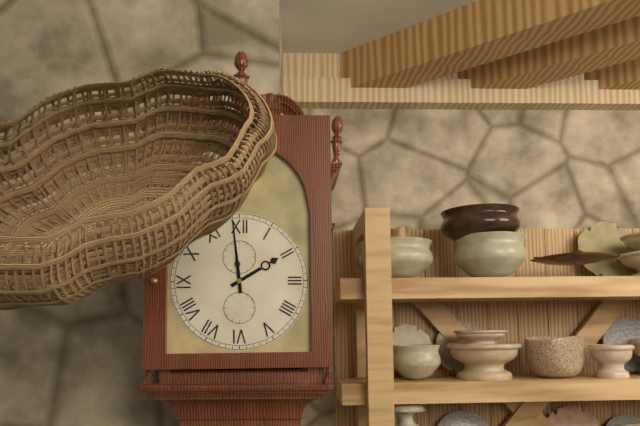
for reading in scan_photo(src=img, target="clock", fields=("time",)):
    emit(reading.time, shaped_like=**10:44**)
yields **1:59**
